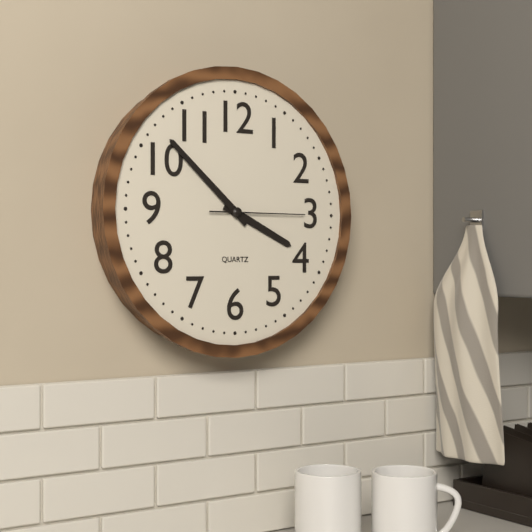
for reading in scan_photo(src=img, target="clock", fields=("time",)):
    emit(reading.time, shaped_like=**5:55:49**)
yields **3:52:15**
